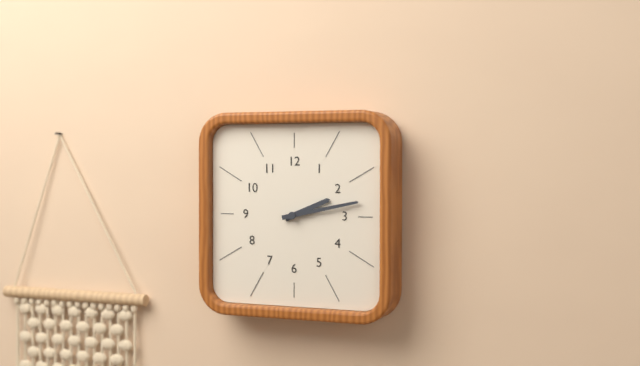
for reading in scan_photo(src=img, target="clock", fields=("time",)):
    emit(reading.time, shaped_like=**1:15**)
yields **2:13**
